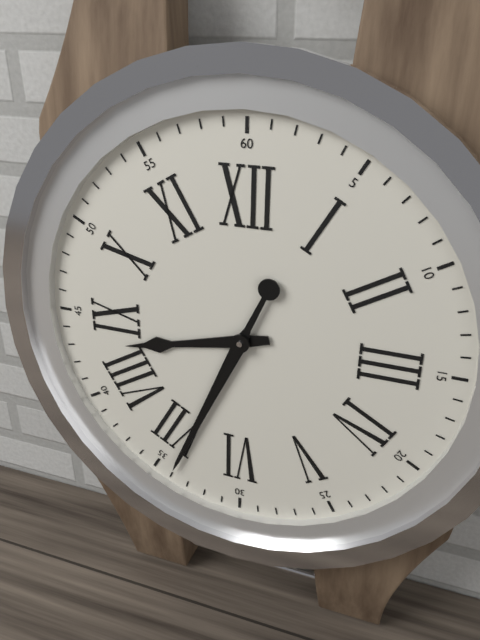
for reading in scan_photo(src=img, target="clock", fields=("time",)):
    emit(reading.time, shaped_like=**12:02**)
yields **8:34**
